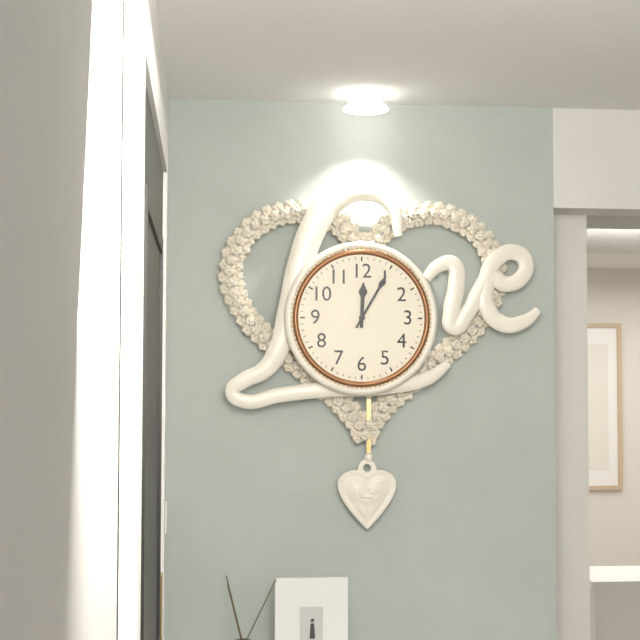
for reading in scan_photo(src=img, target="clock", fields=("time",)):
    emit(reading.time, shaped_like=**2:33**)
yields **12:05**
